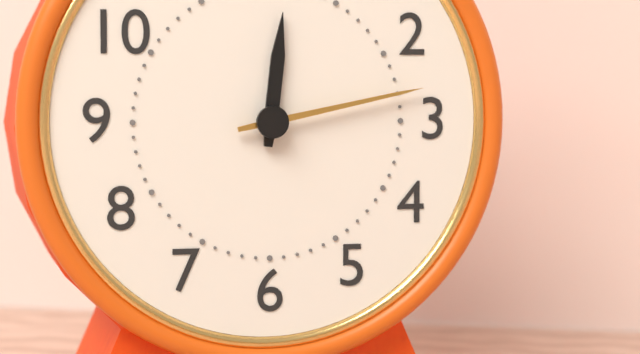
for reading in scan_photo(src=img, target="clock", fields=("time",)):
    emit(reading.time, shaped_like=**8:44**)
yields **12:13**
